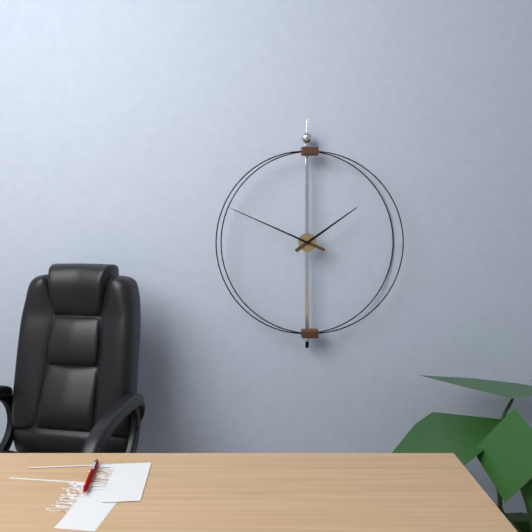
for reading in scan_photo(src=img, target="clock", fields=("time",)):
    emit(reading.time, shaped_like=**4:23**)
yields **1:49**
